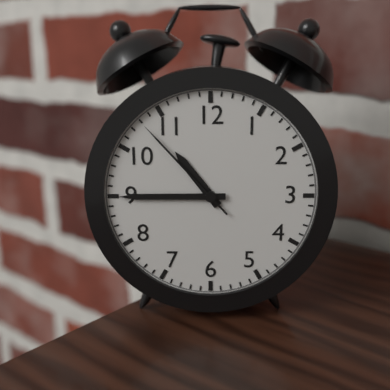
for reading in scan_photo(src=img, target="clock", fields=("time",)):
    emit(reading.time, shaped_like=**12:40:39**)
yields **10:45:53**
